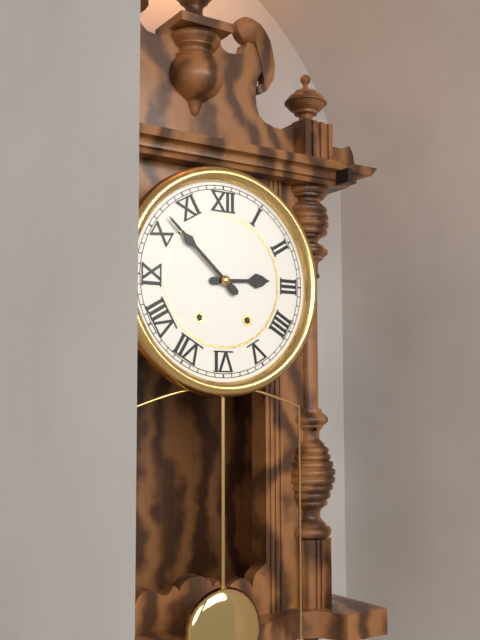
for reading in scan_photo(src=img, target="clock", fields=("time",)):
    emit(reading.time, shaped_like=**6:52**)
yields **2:52**
